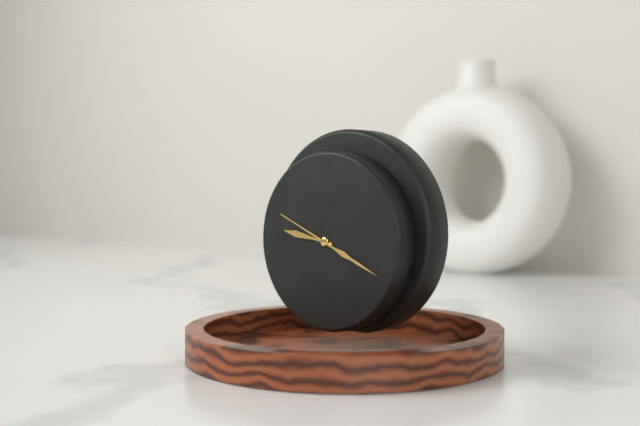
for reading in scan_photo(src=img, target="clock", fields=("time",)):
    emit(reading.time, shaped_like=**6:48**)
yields **9:19**
